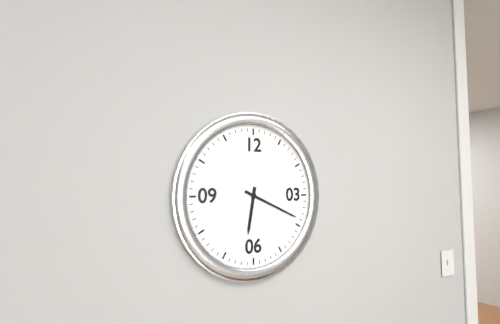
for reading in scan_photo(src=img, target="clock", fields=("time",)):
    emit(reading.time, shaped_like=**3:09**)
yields **6:19**
